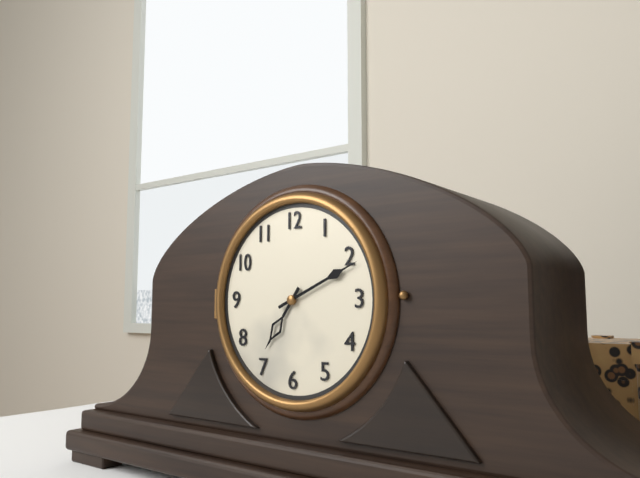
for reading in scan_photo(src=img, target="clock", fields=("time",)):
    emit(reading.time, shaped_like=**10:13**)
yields **7:11**
